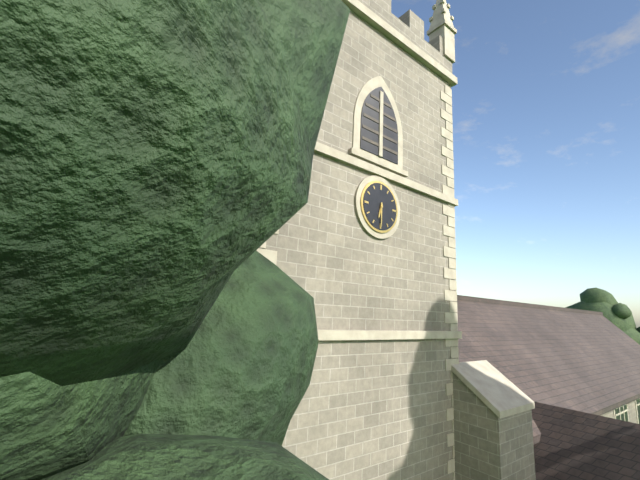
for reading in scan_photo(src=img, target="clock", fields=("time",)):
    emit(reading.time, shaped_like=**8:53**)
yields **6:30**
